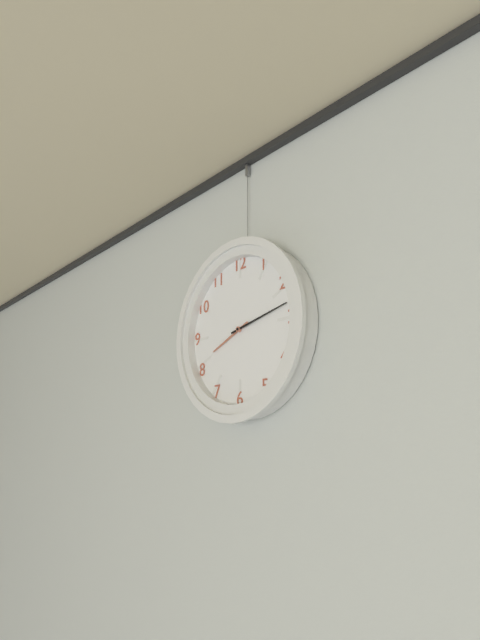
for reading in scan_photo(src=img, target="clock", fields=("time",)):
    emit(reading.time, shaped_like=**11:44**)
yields **8:13**
